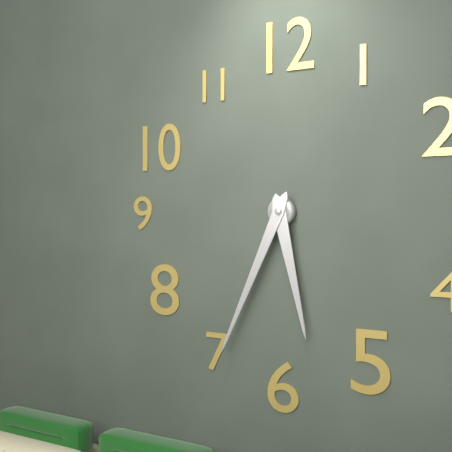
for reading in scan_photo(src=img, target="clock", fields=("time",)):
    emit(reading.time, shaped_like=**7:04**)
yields **5:34**
